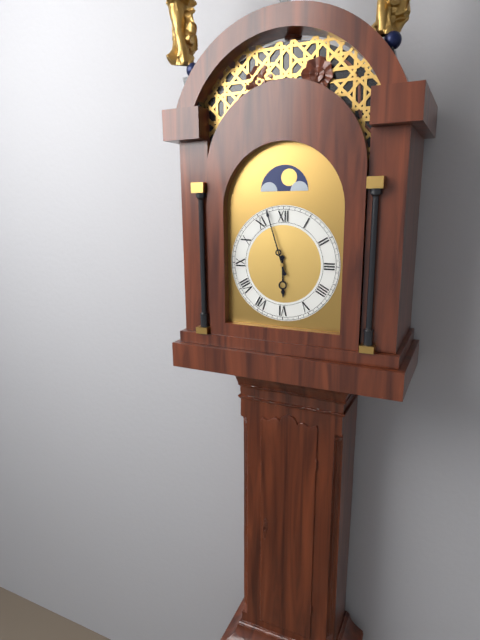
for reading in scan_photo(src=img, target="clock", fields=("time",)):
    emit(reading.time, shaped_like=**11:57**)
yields **5:57**
